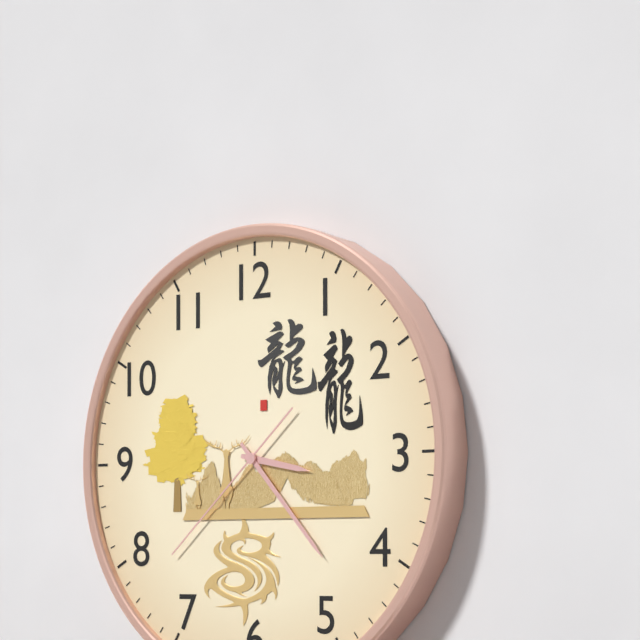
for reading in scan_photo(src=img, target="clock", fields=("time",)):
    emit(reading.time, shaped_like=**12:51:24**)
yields **3:23:38**
